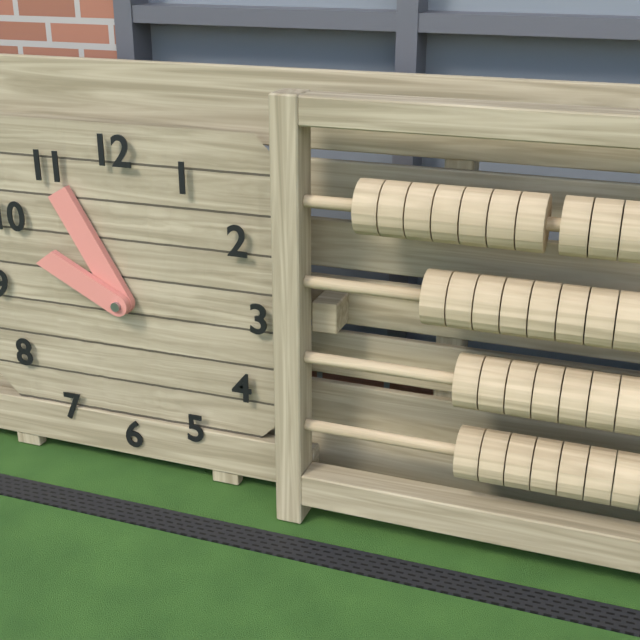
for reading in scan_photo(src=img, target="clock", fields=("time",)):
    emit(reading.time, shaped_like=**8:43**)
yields **9:55**
